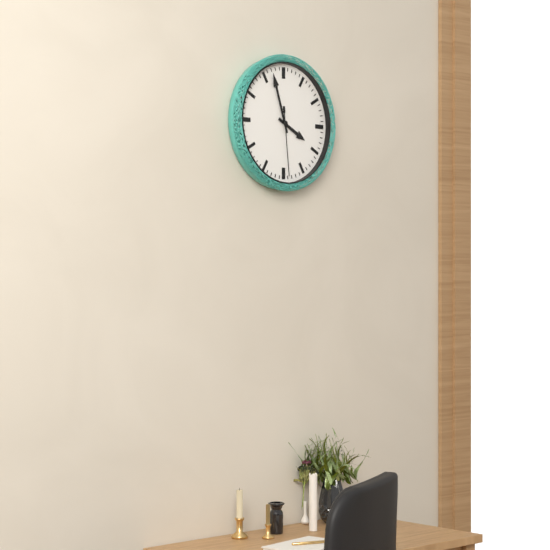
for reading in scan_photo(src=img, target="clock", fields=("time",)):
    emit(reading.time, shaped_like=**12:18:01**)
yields **3:57:29**
